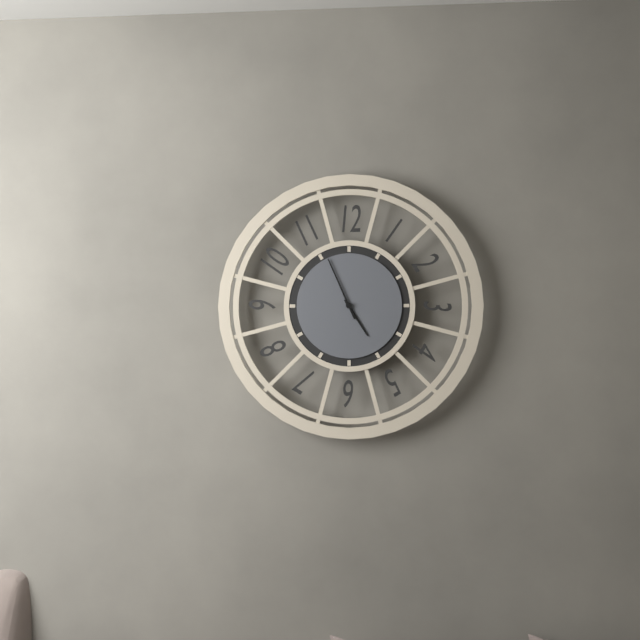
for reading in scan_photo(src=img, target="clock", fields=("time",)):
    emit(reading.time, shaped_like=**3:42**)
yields **4:56**
